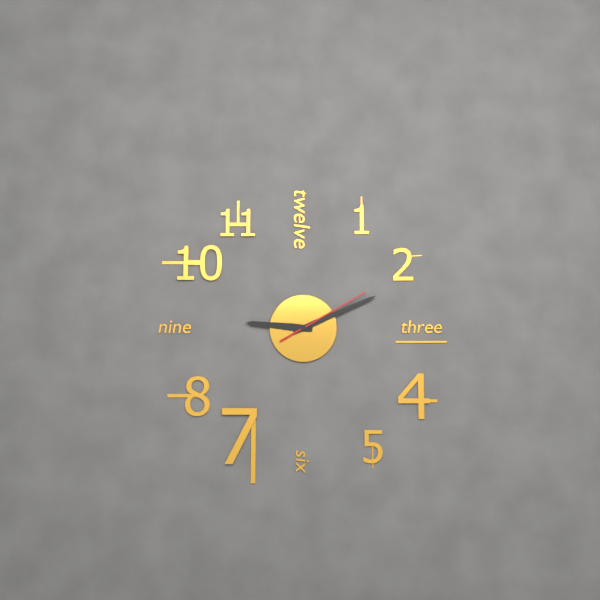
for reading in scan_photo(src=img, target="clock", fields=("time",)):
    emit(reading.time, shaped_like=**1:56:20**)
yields **9:11:10**
